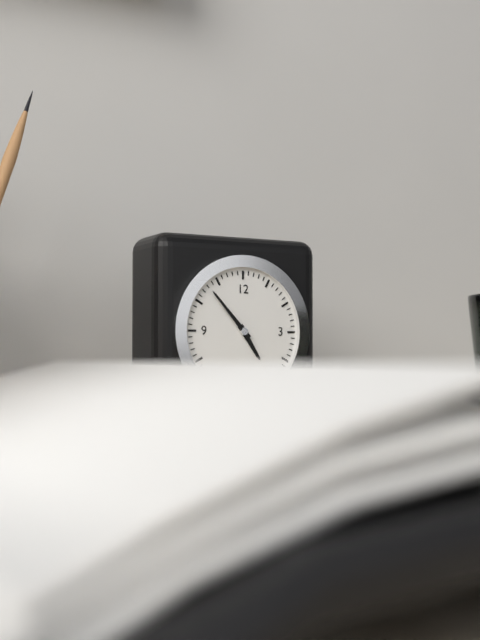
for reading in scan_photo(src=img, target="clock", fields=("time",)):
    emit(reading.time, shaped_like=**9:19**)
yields **4:53**
